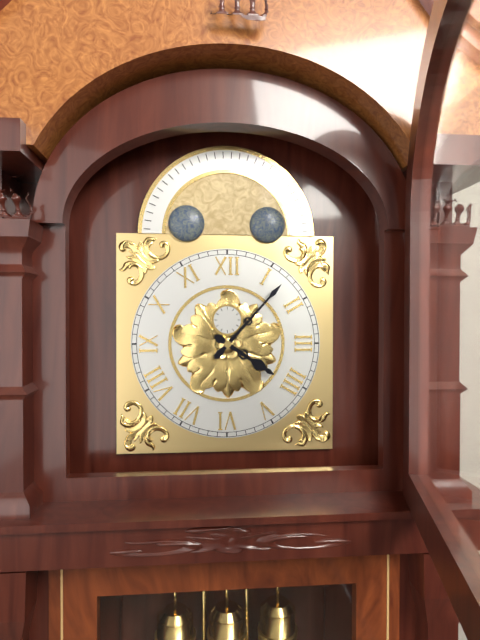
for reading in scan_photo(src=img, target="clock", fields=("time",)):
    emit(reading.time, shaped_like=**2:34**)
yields **4:07**
